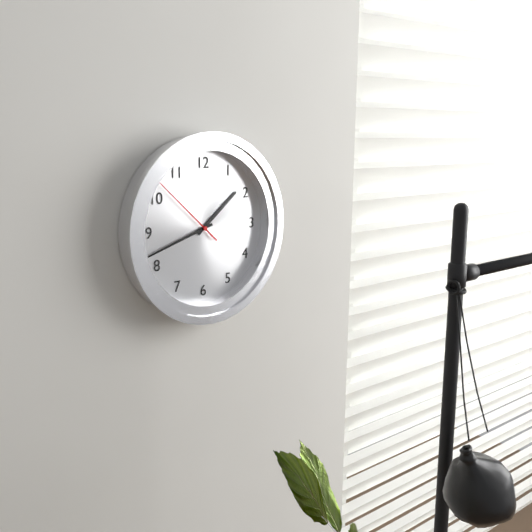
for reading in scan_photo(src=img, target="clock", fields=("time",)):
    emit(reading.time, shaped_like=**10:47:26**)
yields **1:42:52**
